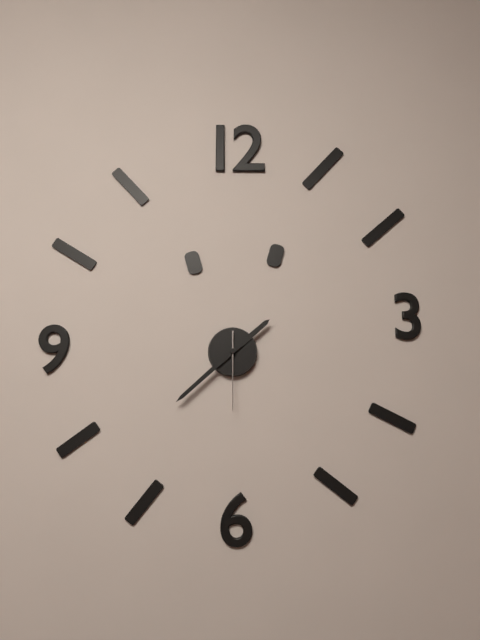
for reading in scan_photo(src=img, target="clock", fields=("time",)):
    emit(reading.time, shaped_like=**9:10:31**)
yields **1:38:30**
